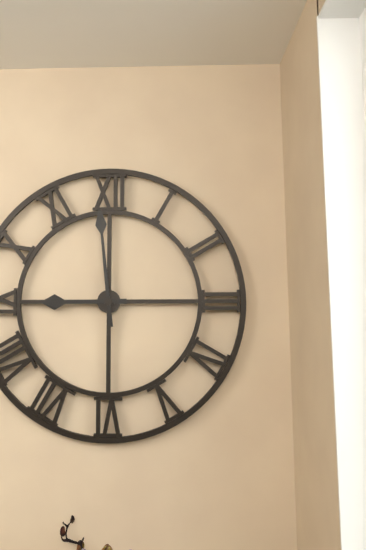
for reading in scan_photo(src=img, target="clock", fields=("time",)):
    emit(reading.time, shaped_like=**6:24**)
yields **8:59**
